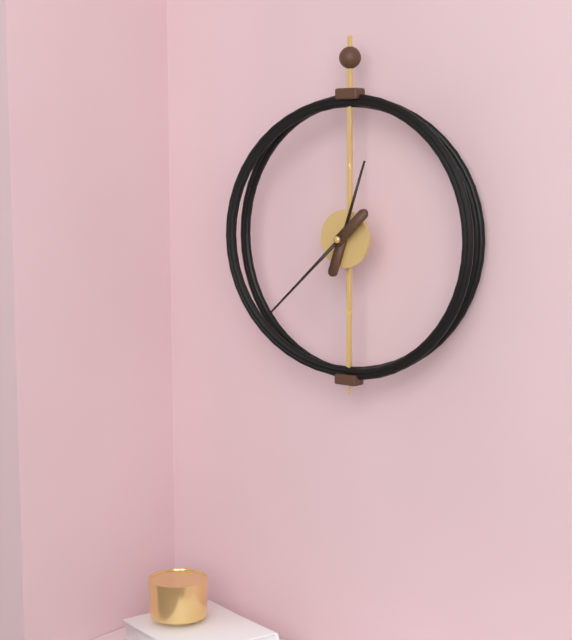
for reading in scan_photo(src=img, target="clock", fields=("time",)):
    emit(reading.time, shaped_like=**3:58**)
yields **12:38**
